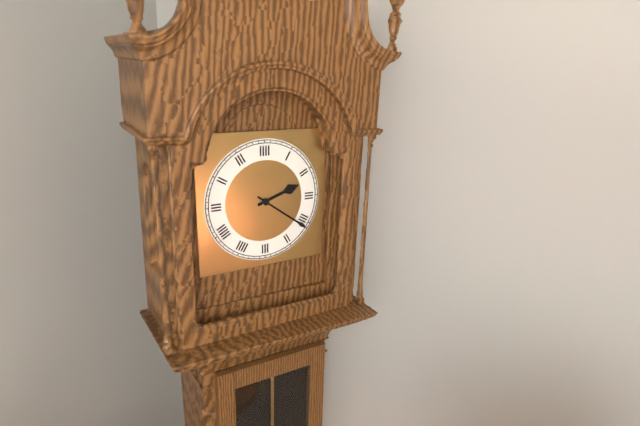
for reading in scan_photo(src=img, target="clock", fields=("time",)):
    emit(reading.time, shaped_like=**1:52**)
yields **2:21**
